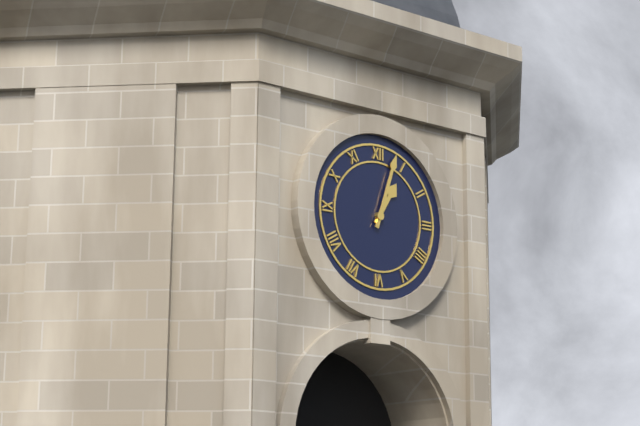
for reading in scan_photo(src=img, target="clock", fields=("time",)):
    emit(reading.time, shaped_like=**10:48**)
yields **1:03**
